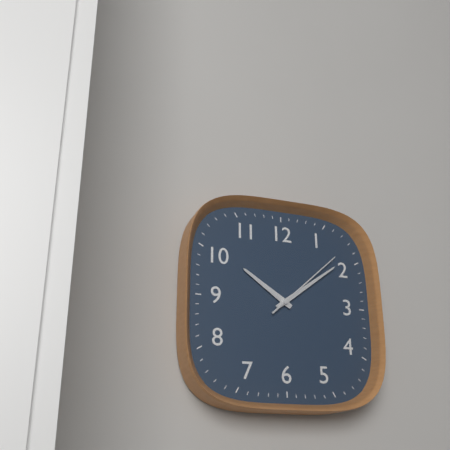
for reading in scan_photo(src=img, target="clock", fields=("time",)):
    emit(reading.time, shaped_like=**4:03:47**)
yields **10:09:08**
